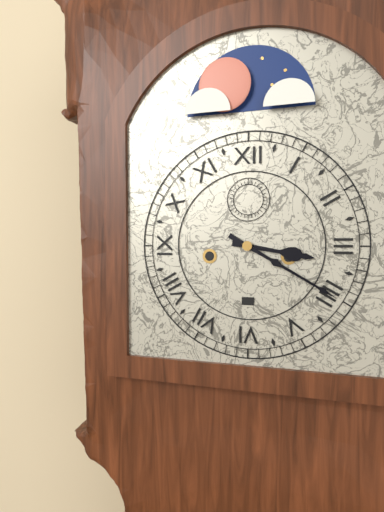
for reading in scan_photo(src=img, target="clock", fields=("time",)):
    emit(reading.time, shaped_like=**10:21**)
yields **3:20**
